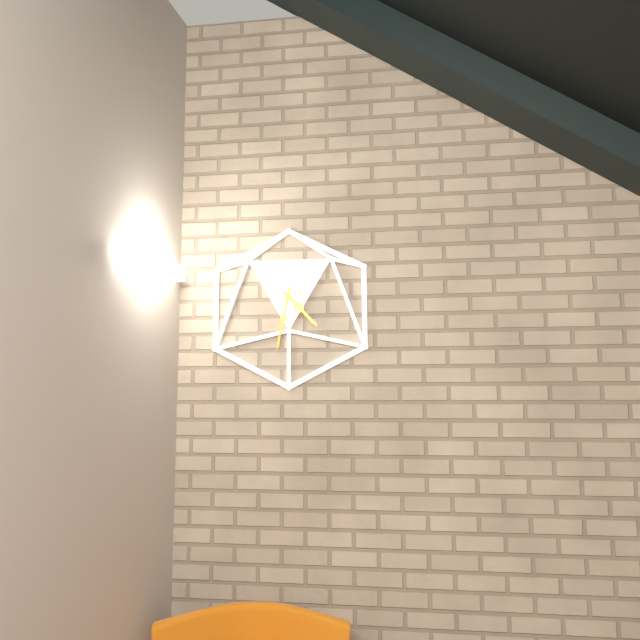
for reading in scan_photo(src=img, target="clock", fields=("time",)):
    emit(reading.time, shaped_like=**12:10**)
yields **4:32**
